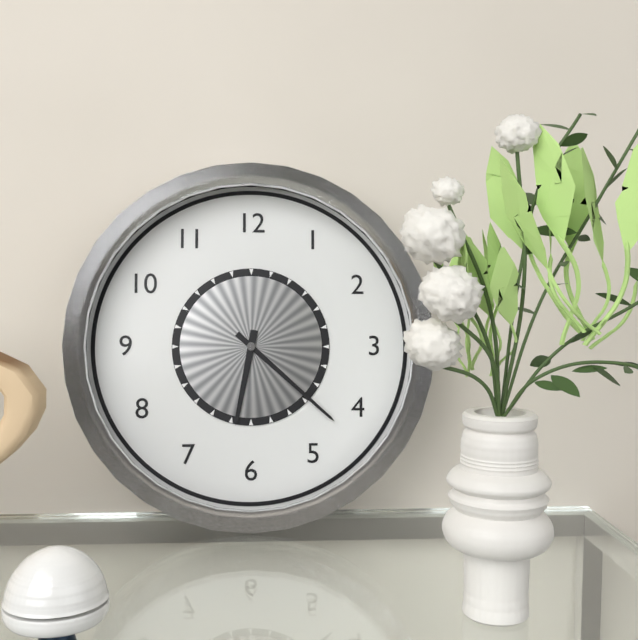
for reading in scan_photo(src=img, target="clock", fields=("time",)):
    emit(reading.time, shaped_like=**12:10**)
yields **6:22**
